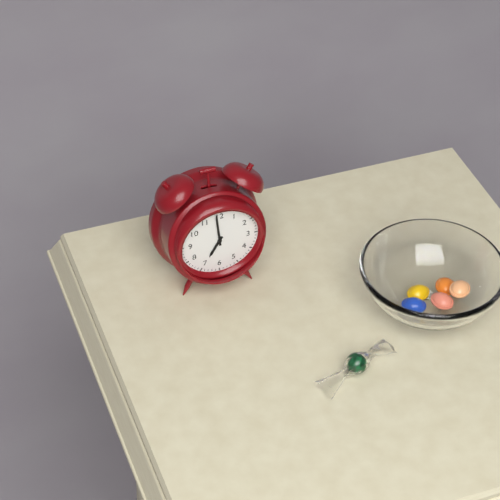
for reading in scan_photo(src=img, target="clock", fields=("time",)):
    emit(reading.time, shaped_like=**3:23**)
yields **6:59**
